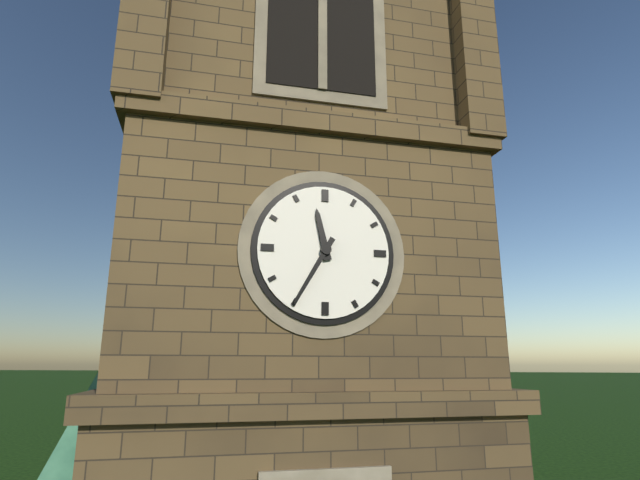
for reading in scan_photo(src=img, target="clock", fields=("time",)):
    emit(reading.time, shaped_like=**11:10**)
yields **11:35**
